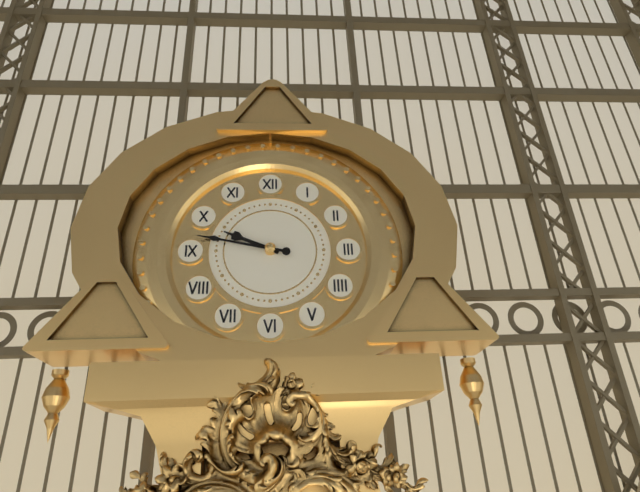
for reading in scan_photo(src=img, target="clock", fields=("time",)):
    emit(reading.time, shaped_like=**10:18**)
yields **9:47**
